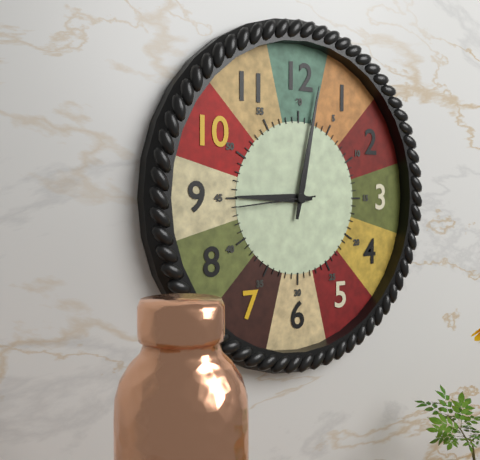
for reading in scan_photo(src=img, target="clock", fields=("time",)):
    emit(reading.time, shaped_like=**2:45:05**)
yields **9:02:44**
